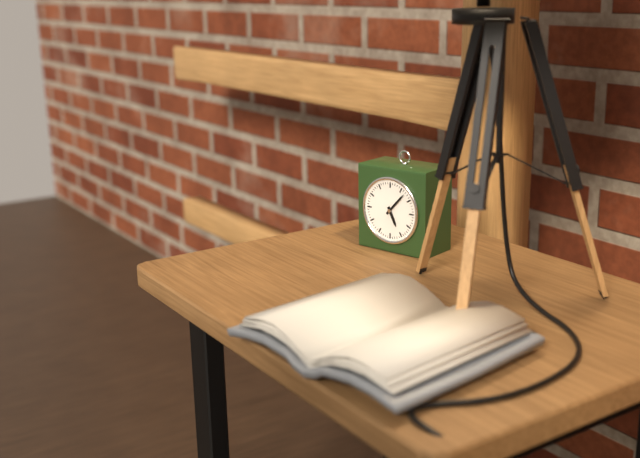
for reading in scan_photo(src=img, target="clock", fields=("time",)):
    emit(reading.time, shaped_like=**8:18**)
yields **5:07**
